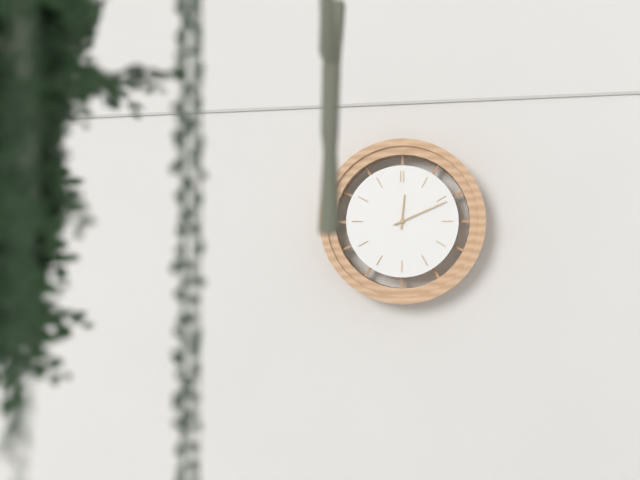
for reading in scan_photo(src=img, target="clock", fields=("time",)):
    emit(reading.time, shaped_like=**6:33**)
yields **12:11**
